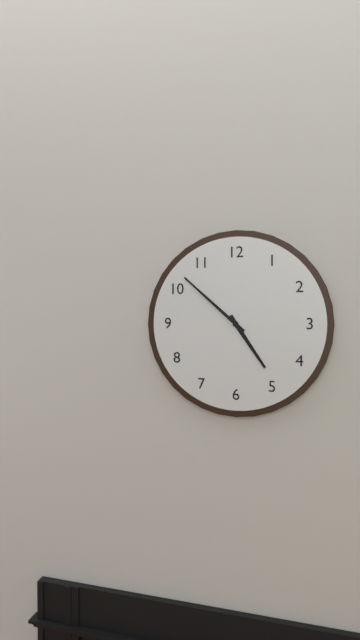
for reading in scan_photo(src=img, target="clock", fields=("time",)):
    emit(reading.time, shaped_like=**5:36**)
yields **4:52**
